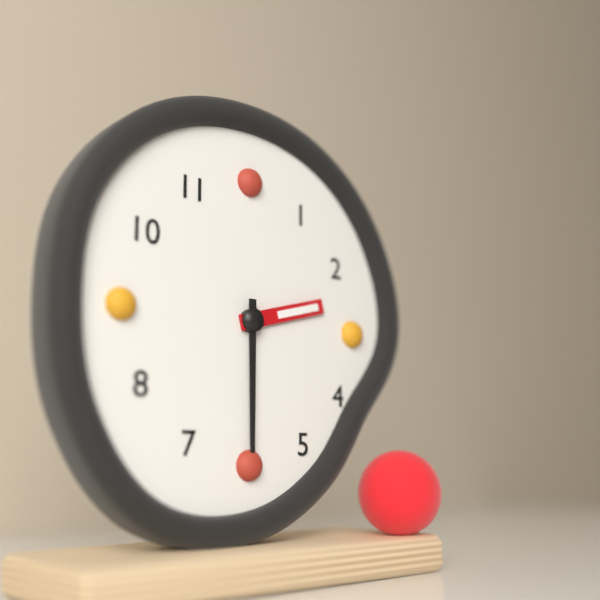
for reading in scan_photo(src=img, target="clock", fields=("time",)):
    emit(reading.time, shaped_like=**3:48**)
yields **2:30**
